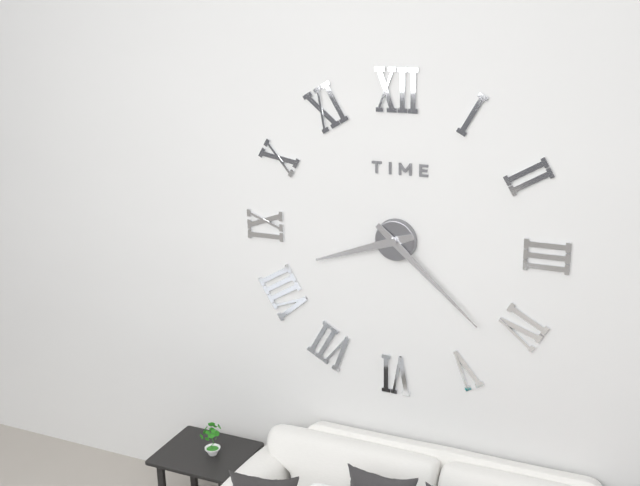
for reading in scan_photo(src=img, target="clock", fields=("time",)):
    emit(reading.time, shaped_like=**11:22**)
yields **8:22**
